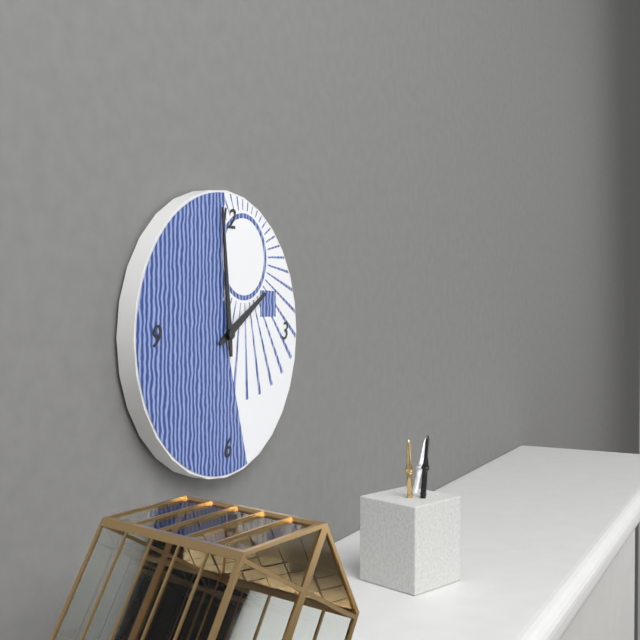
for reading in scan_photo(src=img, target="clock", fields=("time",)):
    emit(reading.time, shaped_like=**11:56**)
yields **1:59**
